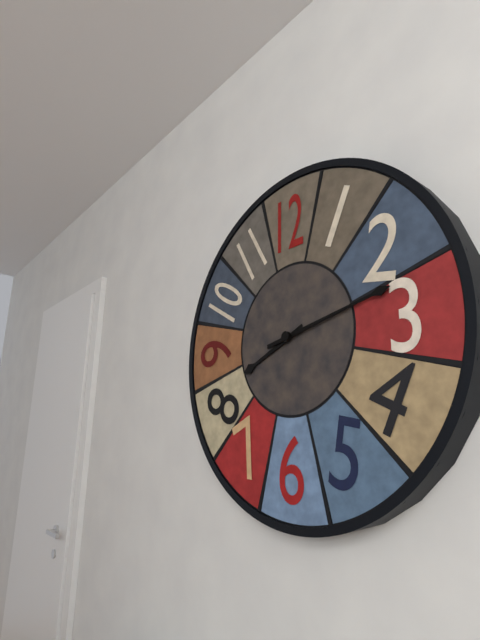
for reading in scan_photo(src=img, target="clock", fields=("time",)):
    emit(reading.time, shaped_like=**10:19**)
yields **8:13**
